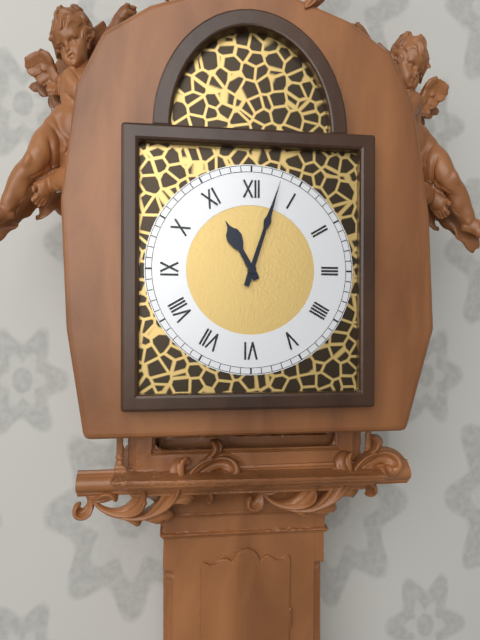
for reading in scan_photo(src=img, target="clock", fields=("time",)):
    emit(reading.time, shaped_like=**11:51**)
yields **11:03**
